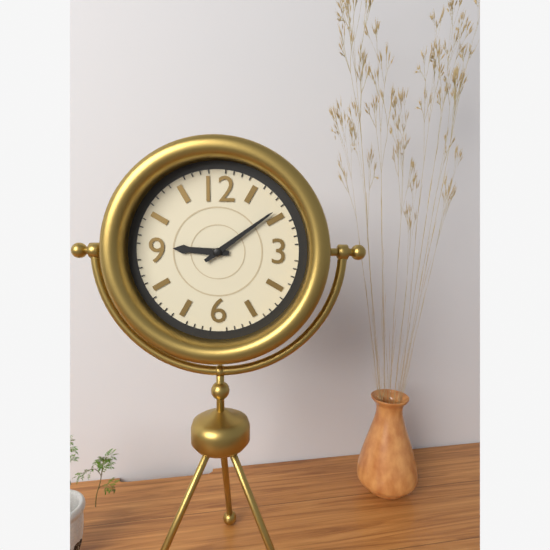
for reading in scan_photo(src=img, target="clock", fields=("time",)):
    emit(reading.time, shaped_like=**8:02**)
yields **9:09**
